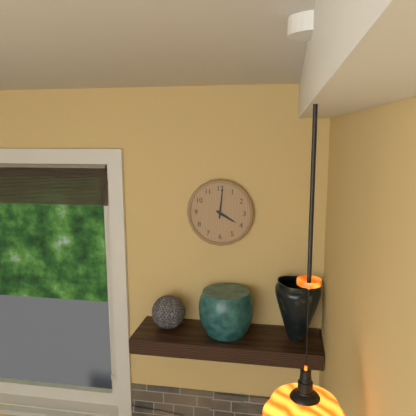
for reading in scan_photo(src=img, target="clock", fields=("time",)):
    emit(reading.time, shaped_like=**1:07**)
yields **4:01**
